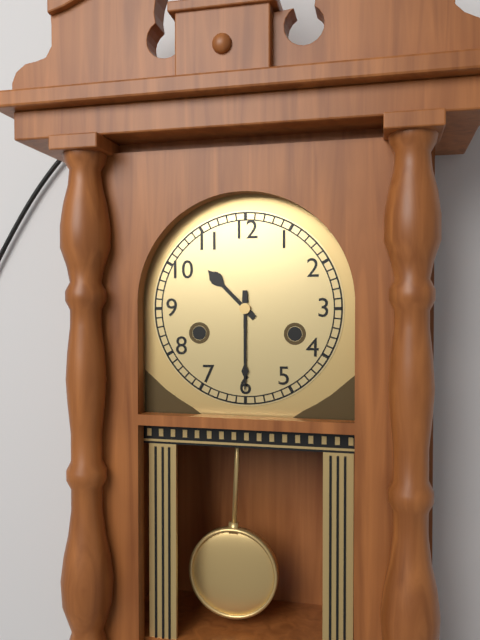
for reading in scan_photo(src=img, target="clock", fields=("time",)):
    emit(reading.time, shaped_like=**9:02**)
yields **10:30**
